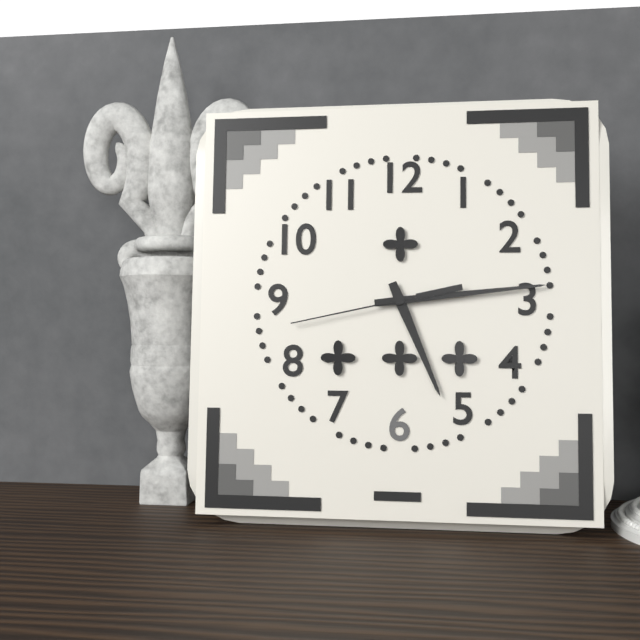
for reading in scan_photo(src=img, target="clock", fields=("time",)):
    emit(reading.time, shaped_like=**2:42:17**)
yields **5:14:43**
